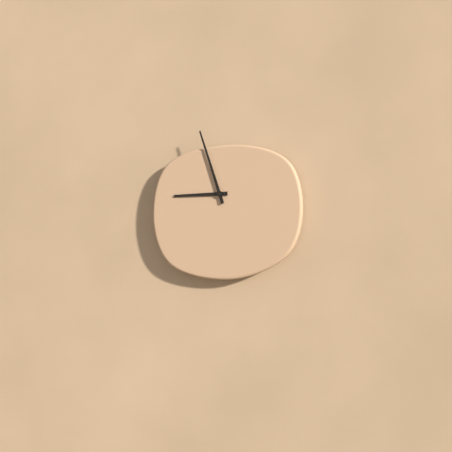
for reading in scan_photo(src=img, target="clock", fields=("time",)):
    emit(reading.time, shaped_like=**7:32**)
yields **8:57**
